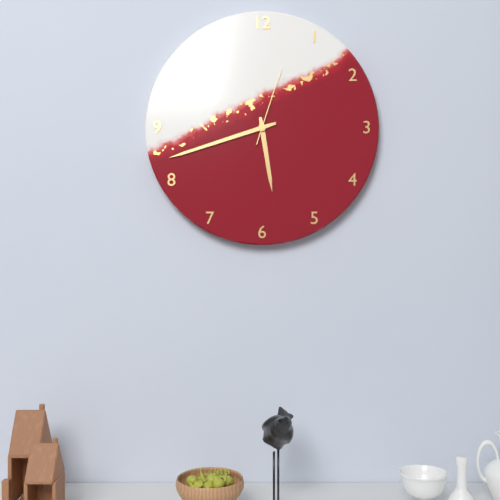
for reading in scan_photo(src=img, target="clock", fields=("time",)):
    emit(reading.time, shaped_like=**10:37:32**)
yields **5:42:03**
